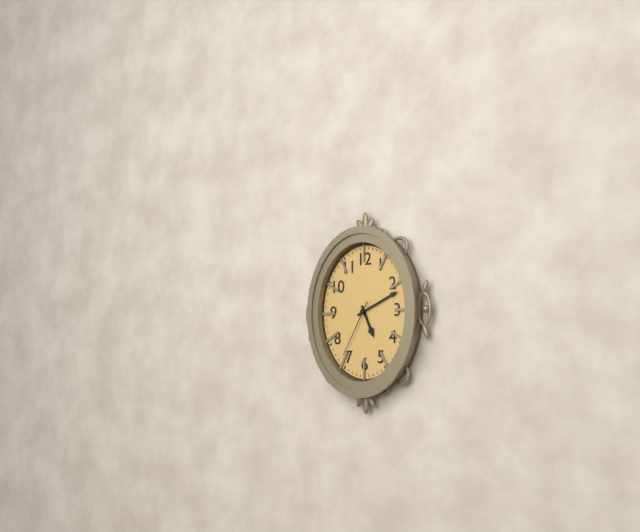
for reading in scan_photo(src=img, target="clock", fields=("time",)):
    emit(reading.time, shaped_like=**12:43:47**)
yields **5:11:35**
